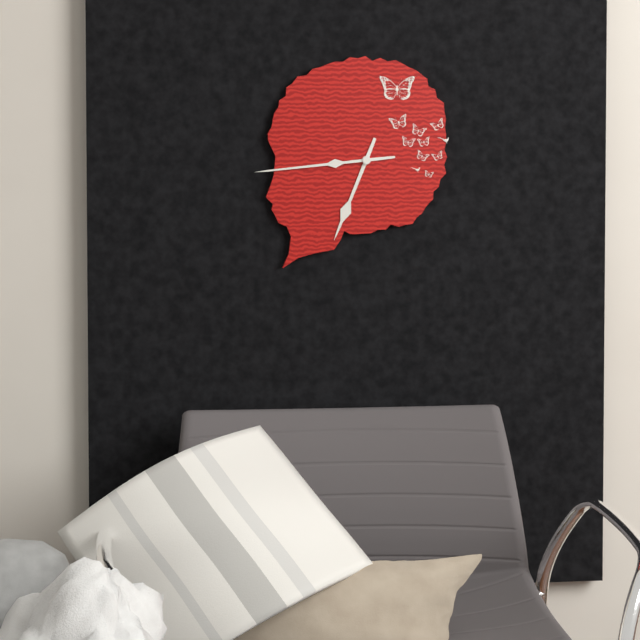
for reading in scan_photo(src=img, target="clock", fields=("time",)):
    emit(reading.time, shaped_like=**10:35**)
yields **6:44**
